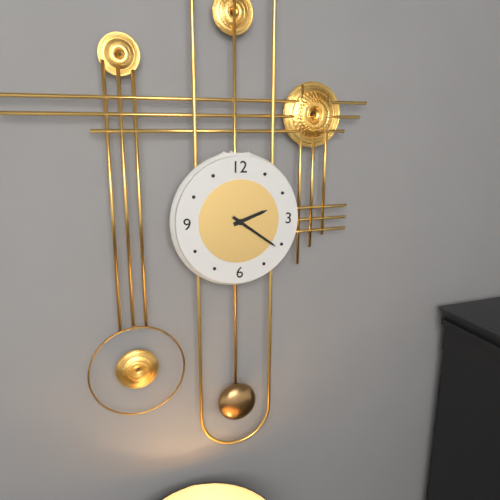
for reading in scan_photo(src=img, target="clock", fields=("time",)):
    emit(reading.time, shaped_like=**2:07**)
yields **2:21**
